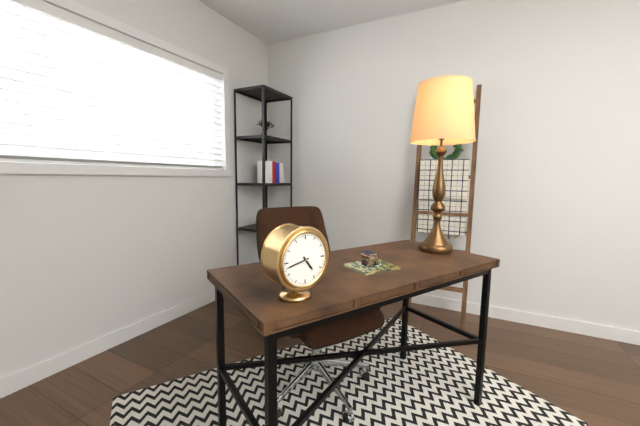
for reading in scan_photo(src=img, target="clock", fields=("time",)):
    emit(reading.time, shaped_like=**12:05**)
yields **4:43**
